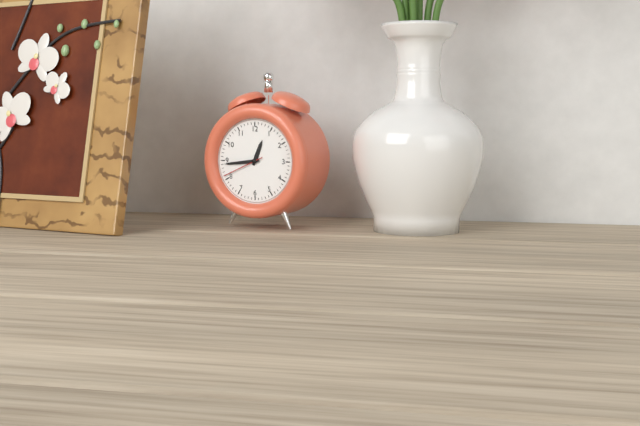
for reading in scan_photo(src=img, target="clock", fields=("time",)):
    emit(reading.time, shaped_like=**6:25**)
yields **12:44**
